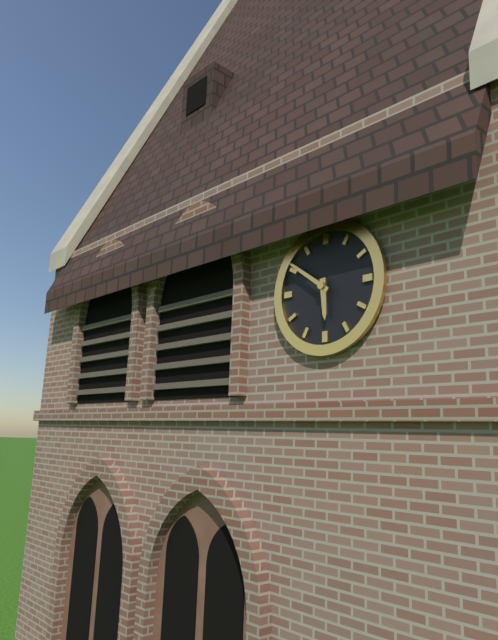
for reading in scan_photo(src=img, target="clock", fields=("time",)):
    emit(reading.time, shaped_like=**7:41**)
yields **5:51**
